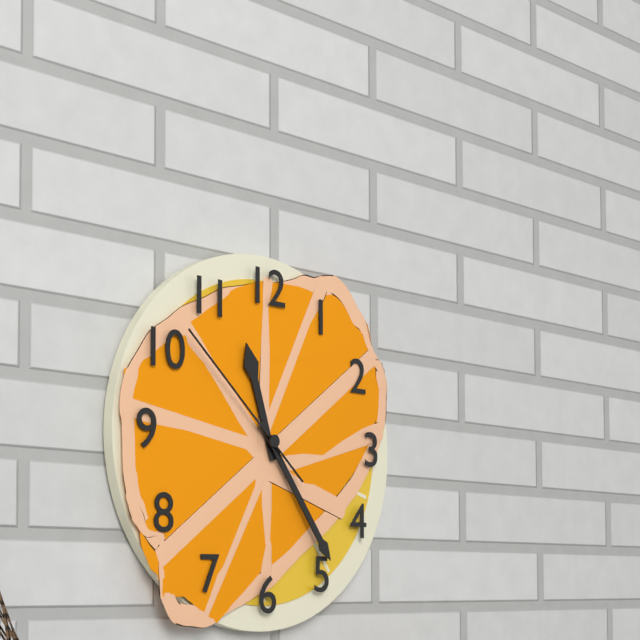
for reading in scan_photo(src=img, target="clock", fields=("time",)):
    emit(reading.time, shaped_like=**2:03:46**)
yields **11:24:52**
